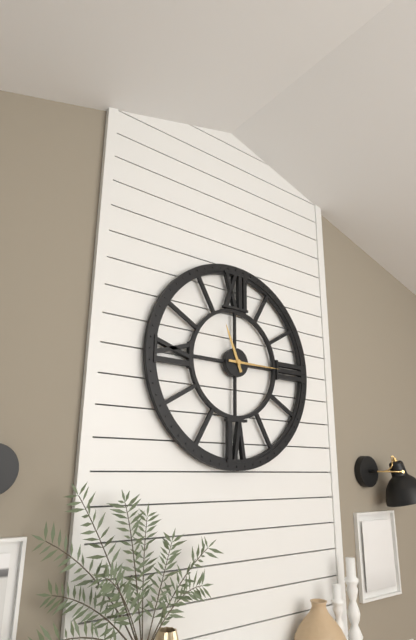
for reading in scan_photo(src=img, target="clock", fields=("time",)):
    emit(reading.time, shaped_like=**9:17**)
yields **11:15**
